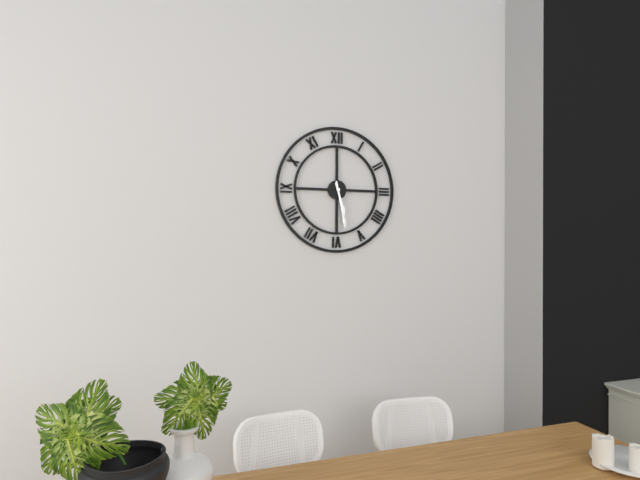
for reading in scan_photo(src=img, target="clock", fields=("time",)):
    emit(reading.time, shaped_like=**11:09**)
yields **5:28**
